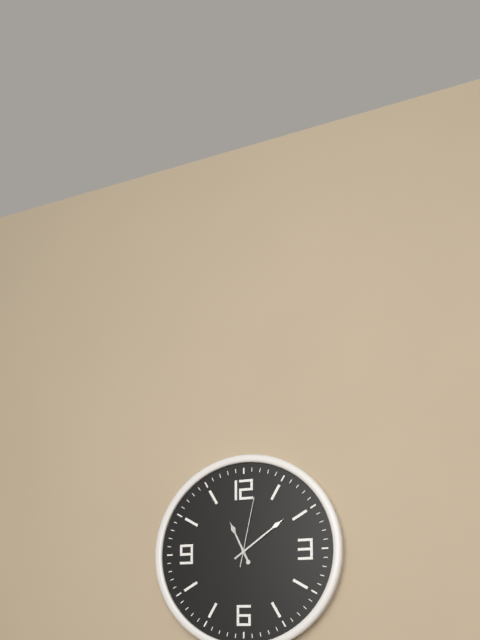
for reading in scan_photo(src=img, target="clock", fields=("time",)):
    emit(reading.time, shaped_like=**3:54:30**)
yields **11:09:02**
